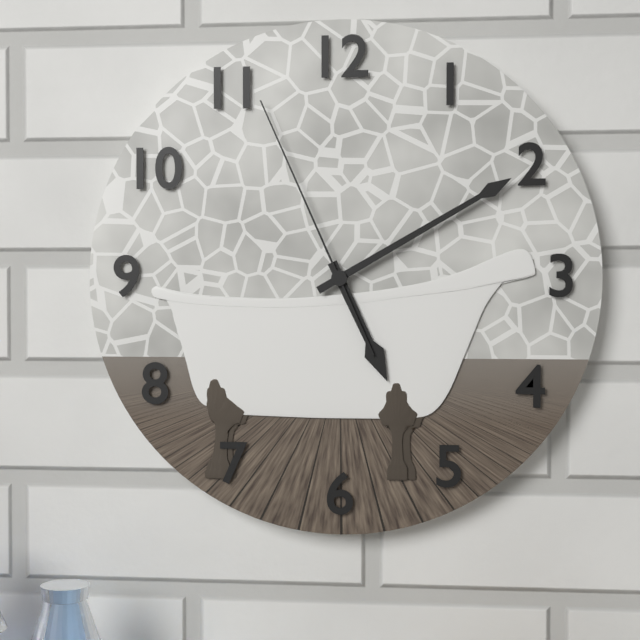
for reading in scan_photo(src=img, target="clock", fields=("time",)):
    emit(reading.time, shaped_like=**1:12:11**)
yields **5:10:56**
